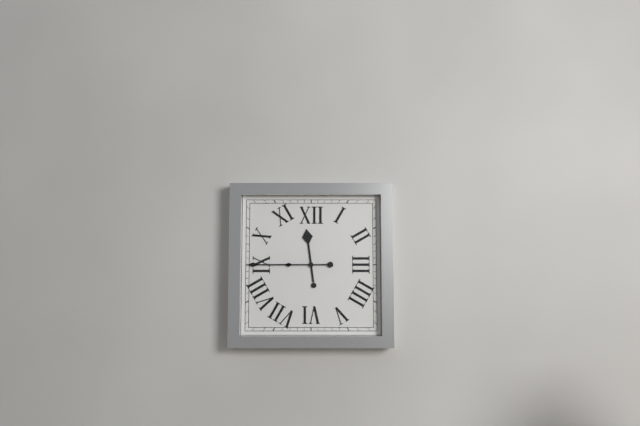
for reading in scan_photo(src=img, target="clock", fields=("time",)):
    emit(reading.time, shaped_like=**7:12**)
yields **11:45**
